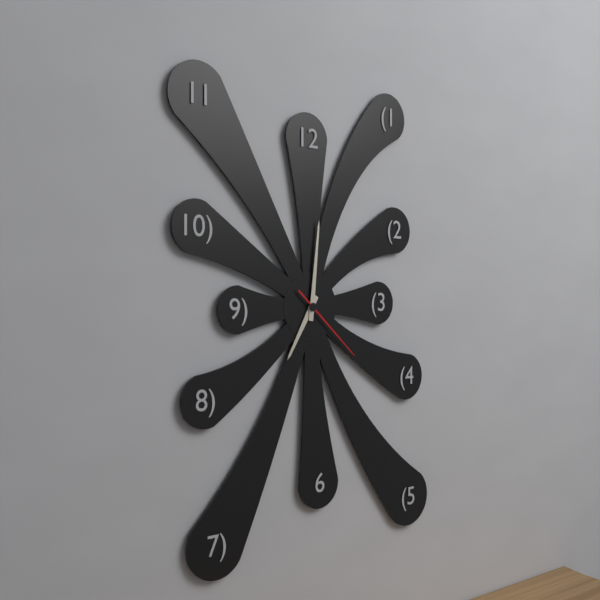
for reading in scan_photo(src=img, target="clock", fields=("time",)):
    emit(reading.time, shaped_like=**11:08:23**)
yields **7:01:22**
